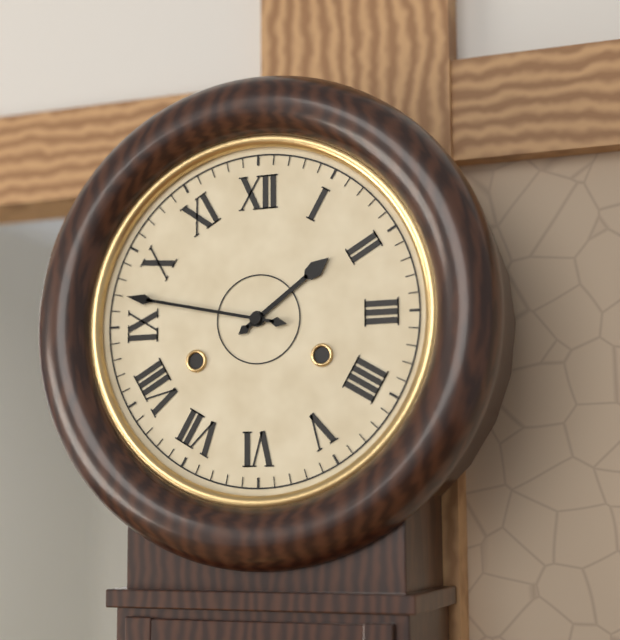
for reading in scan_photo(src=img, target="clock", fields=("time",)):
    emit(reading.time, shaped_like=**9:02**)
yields **1:47**
